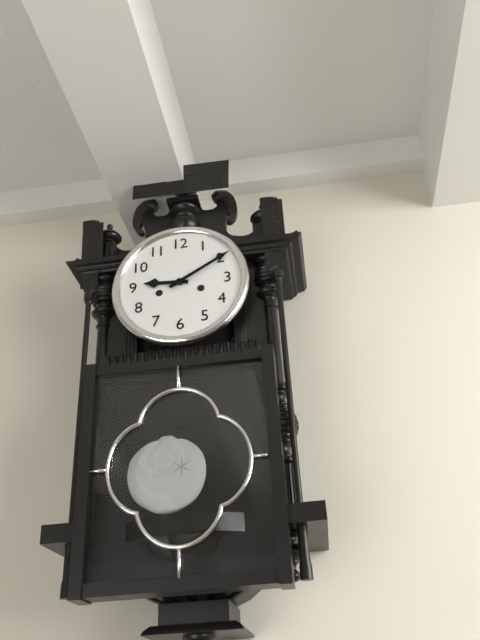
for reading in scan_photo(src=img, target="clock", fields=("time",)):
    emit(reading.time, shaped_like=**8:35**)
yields **9:10**
